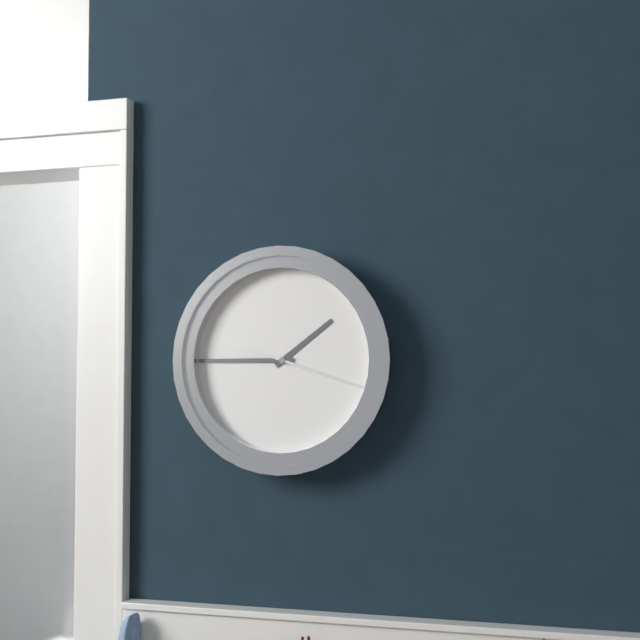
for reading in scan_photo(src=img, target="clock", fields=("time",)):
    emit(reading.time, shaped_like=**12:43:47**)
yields **1:45:18**
